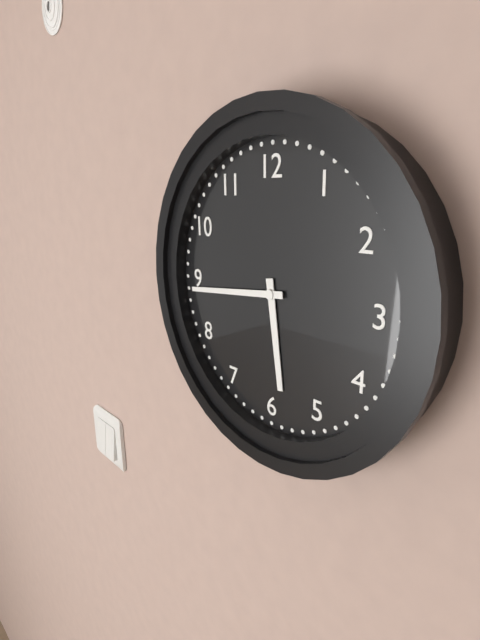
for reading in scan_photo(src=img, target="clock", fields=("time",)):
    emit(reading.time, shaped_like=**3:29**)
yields **5:44**
